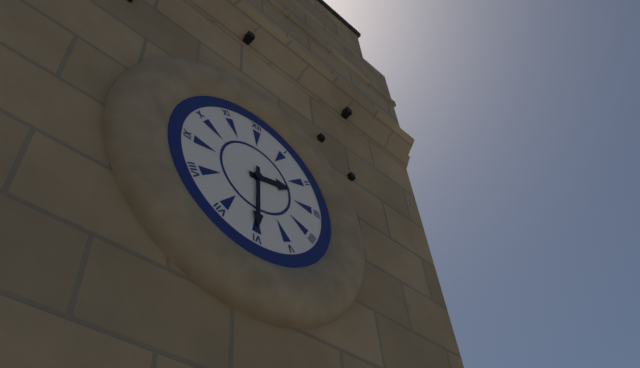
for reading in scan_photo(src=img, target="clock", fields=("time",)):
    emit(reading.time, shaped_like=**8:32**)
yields **2:30**
